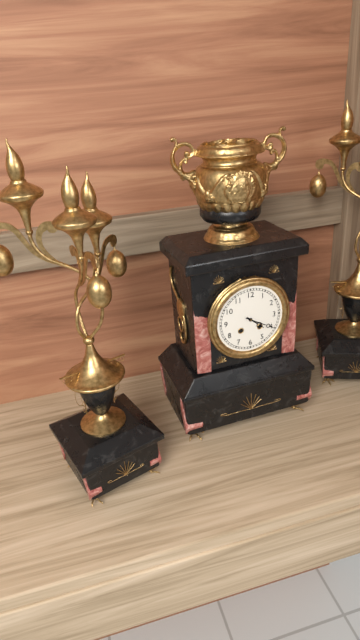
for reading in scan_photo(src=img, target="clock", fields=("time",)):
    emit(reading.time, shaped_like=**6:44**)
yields **4:20**
